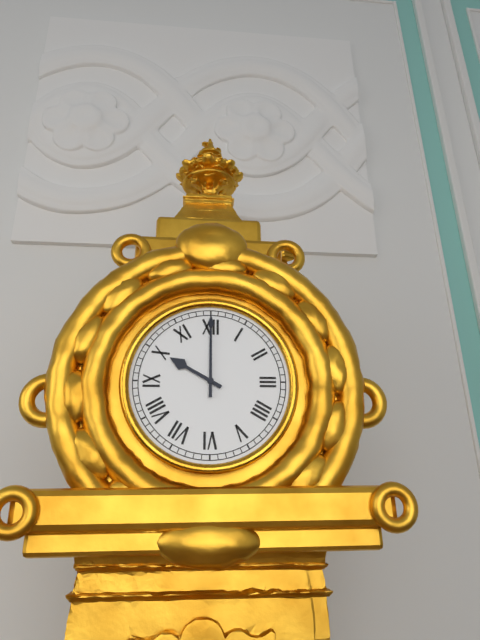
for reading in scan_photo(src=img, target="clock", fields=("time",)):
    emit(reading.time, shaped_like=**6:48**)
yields **10:00**
